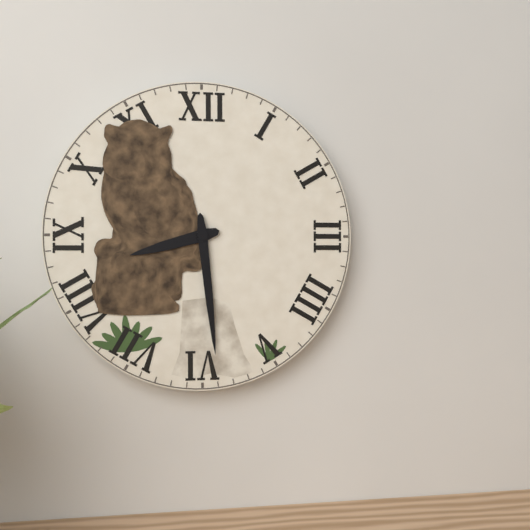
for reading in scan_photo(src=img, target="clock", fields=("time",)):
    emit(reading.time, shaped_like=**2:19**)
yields **8:29**
